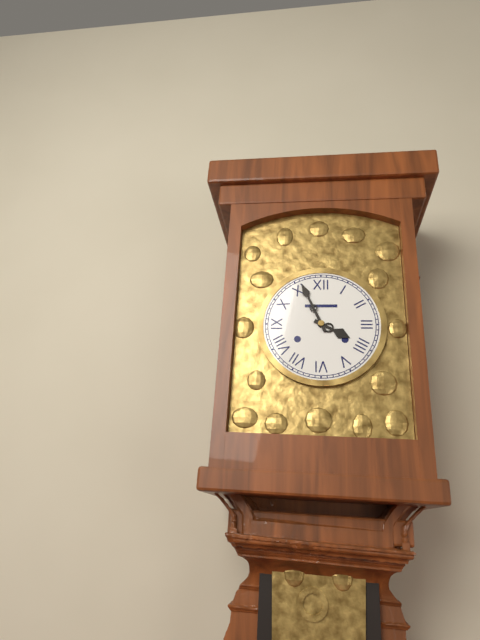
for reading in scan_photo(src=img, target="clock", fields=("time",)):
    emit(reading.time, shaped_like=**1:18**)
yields **3:56**
